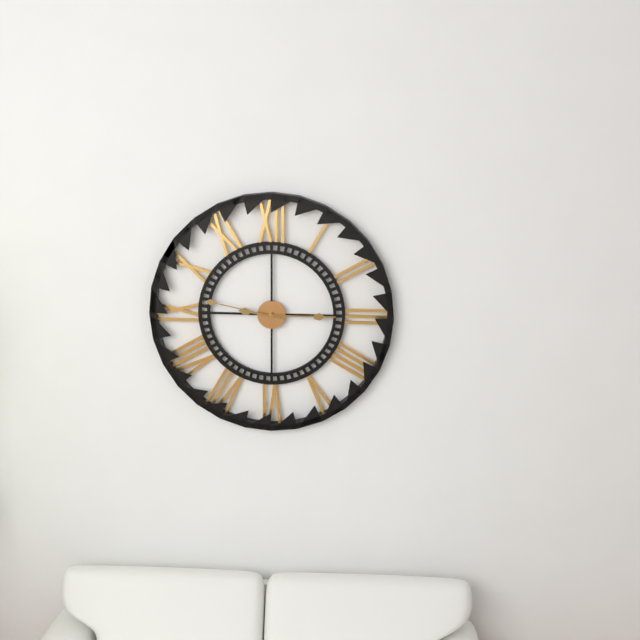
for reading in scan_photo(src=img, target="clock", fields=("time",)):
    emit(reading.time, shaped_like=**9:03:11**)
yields **9:15:47**
